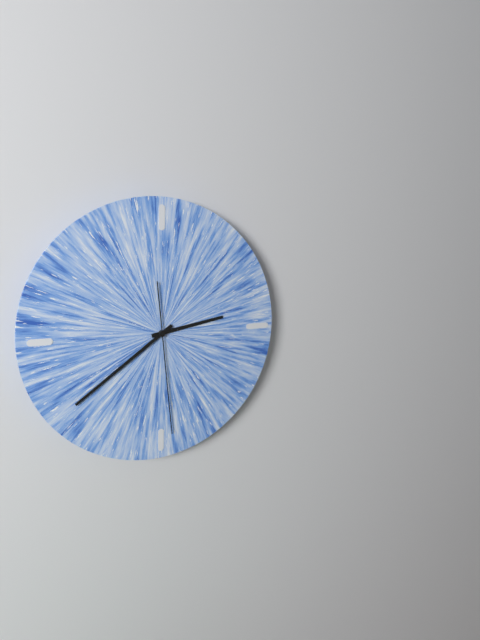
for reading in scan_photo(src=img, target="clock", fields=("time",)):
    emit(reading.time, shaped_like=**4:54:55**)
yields **2:39:29**
